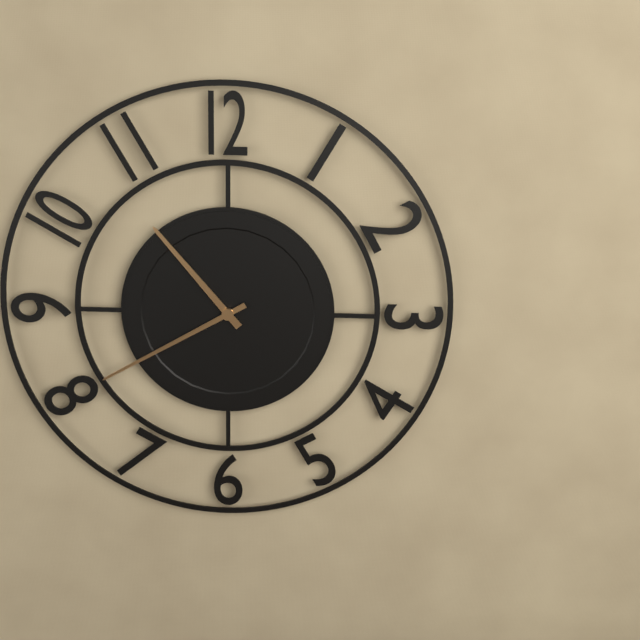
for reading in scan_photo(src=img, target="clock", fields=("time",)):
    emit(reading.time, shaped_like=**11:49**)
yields **10:40**
